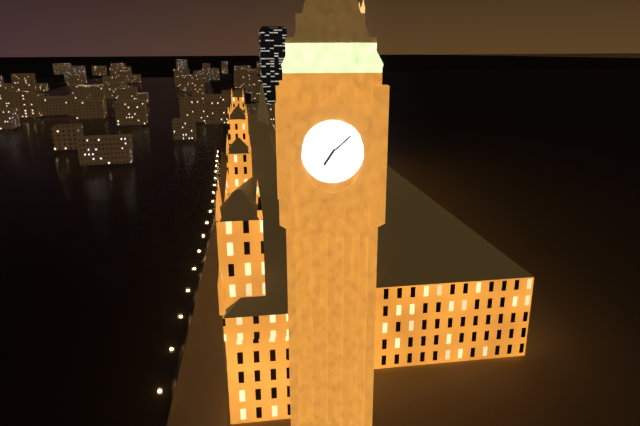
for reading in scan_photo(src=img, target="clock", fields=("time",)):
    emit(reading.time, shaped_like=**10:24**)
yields **7:08**
